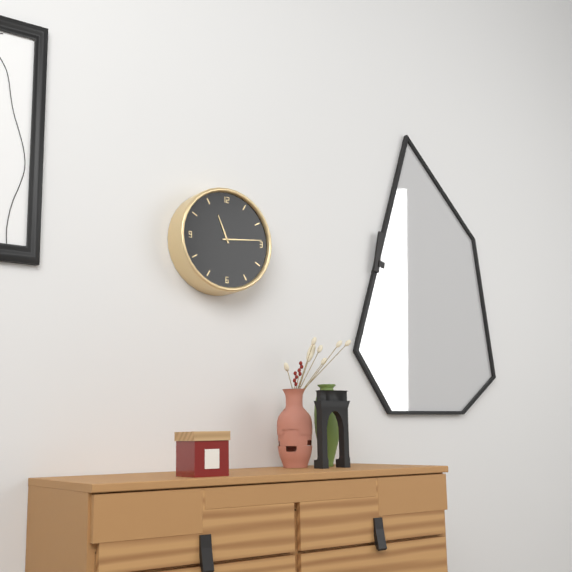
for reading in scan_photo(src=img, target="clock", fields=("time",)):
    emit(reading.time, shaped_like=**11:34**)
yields **11:14**
